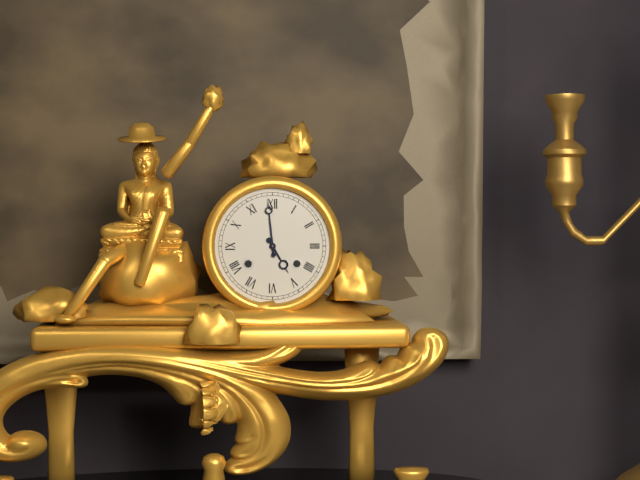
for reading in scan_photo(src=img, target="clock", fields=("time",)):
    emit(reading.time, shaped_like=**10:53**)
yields **4:59**
